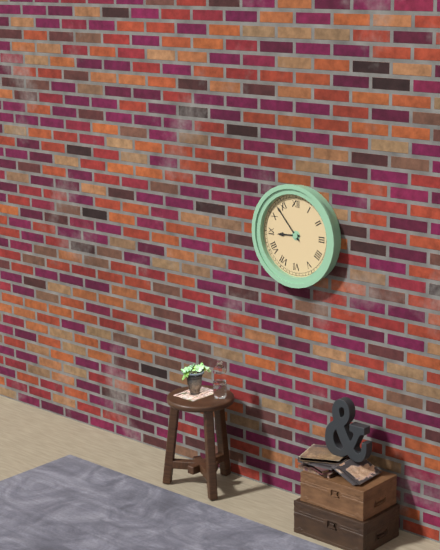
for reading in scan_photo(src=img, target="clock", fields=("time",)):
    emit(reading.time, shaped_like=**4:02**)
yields **8:53**
